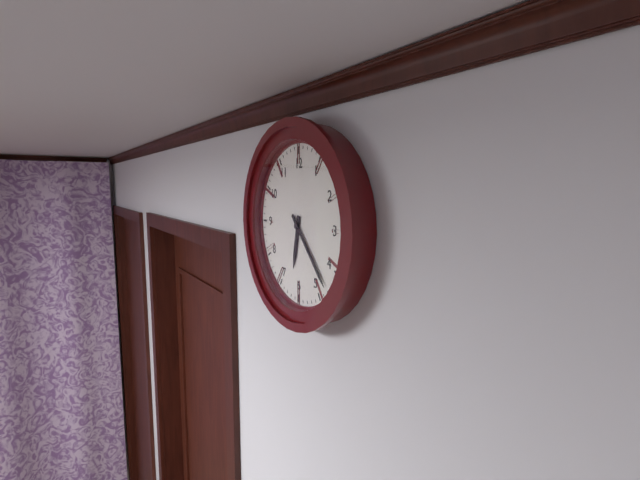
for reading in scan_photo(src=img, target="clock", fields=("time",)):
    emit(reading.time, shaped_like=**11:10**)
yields **6:23**
